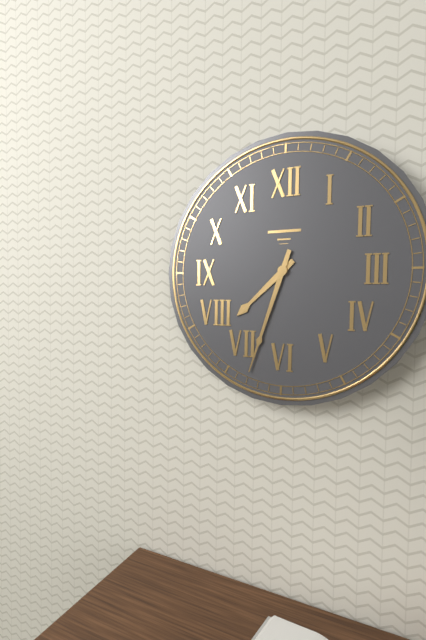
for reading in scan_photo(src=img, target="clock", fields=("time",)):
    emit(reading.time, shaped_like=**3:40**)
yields **7:33**
